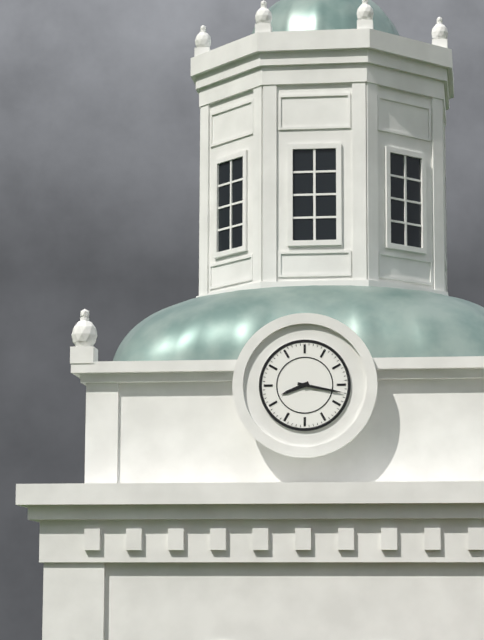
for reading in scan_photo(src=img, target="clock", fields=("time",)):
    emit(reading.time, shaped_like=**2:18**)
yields **8:17**
